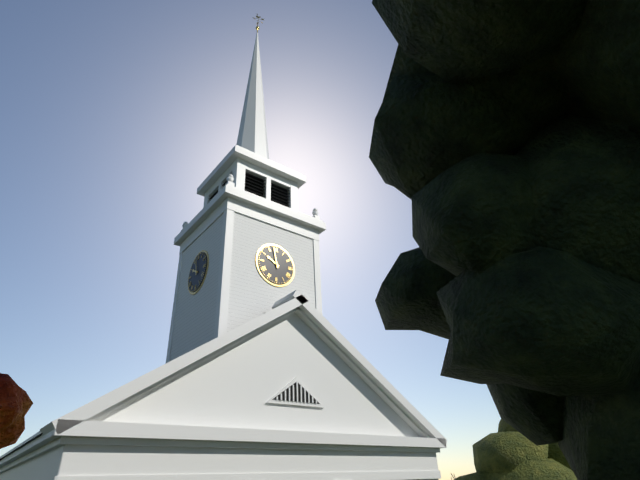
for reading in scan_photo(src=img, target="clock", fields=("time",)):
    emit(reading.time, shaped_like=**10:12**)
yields **9:58**
